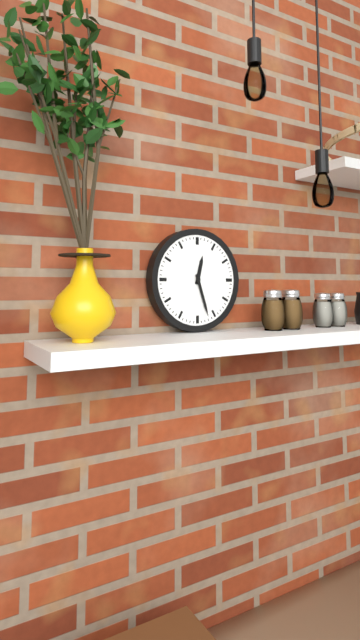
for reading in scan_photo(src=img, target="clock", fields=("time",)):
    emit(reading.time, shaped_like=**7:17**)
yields **12:27**
